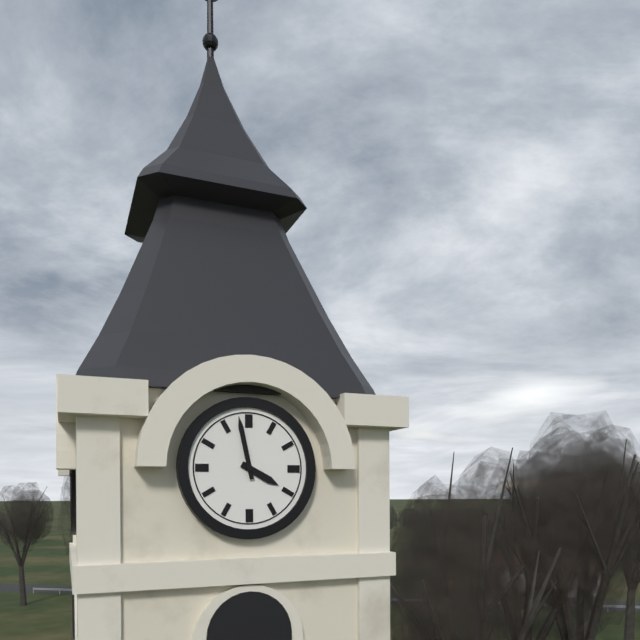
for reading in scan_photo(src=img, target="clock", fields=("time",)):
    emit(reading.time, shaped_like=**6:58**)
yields **3:58**
